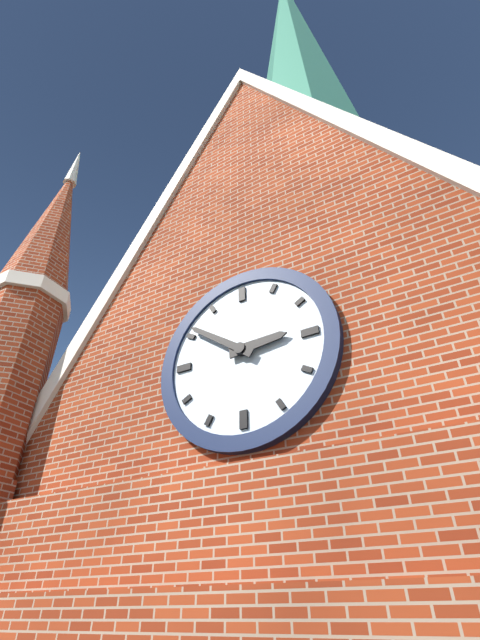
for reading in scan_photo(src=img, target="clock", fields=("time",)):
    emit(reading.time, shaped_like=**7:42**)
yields **2:51**
